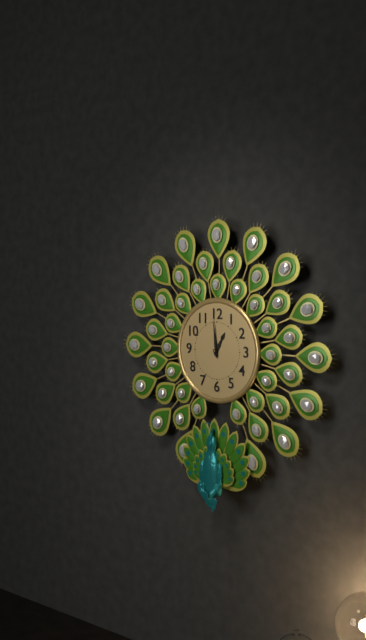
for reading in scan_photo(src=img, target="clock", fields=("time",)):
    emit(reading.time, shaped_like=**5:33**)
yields **12:59**
